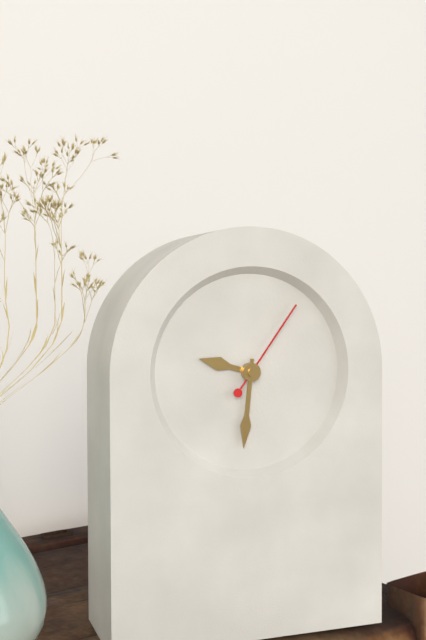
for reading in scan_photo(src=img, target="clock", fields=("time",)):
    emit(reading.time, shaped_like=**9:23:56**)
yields **9:31:06**
